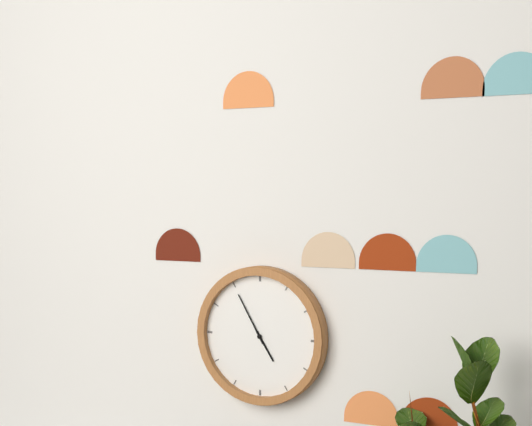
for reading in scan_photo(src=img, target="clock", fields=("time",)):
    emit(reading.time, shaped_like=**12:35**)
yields **4:55**
